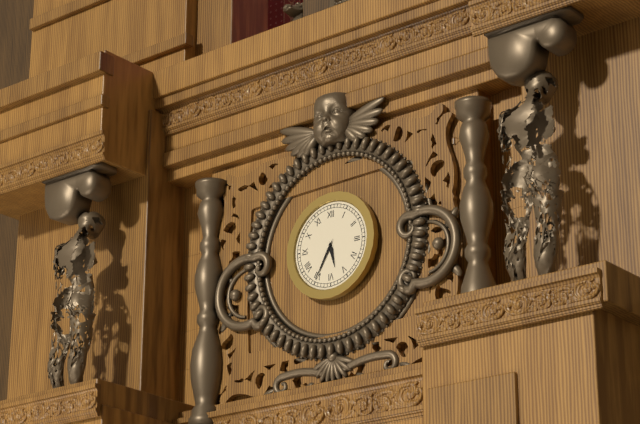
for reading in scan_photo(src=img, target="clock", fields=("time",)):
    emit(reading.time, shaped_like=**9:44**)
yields **5:35**
